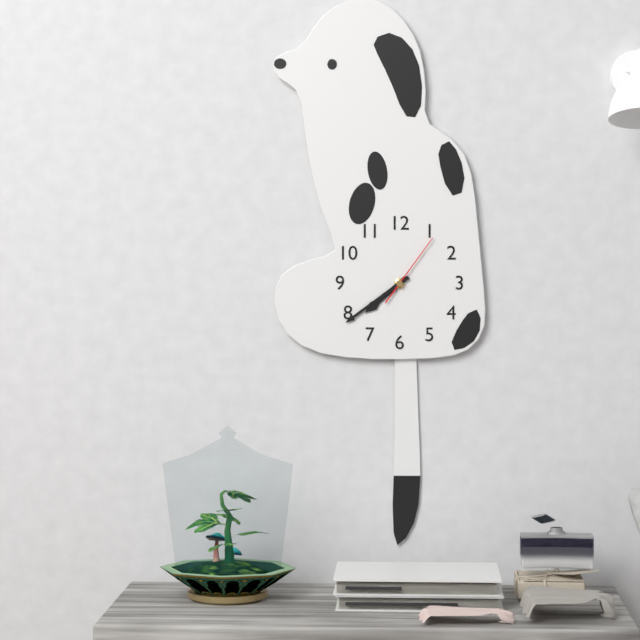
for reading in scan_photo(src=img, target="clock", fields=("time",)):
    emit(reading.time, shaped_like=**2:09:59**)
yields **7:39:06**
